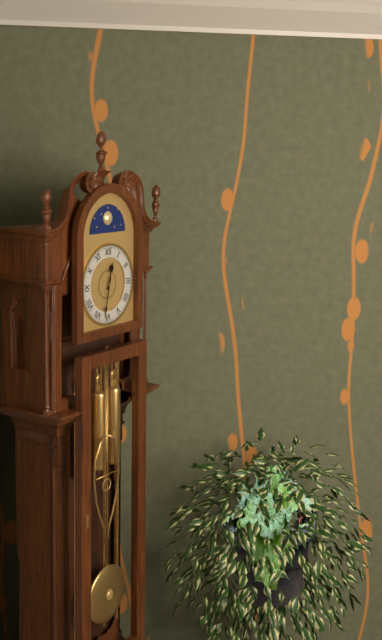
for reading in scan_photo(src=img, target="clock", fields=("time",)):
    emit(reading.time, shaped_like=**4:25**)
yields **12:32**
